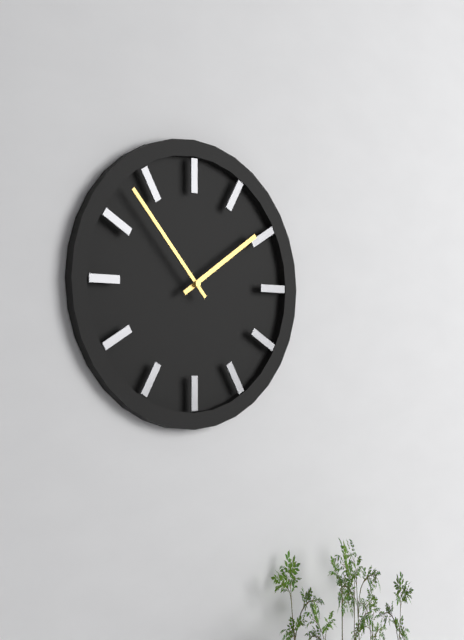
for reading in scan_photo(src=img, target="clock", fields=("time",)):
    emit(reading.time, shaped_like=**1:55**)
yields **1:53**
